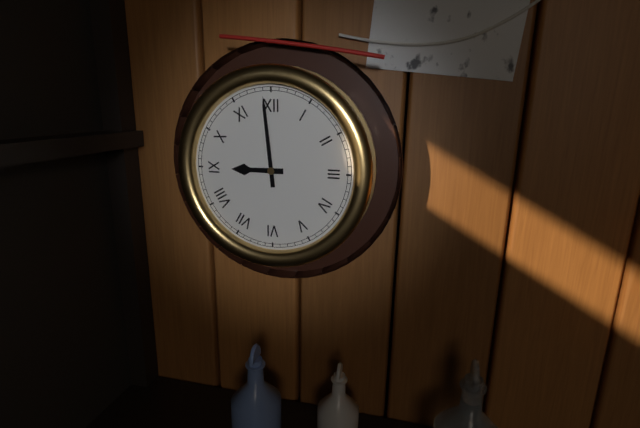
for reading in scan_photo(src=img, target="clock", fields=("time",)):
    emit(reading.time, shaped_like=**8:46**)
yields **8:59**
